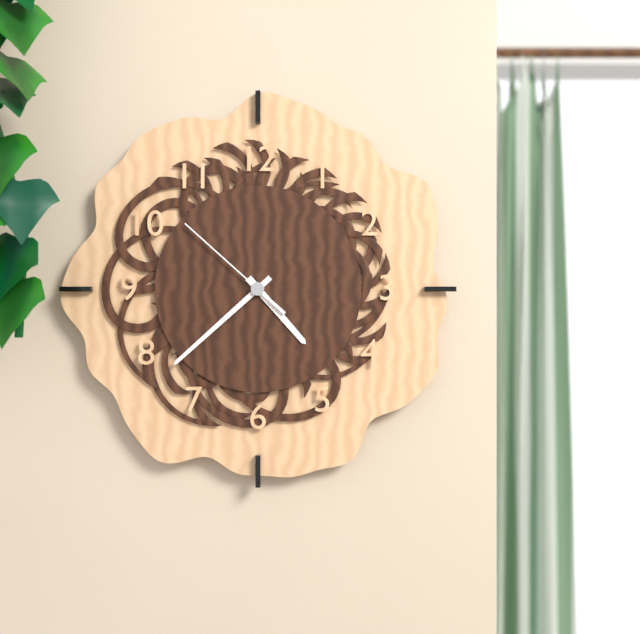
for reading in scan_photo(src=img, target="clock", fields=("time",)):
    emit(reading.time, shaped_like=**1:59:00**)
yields **4:38:52**
